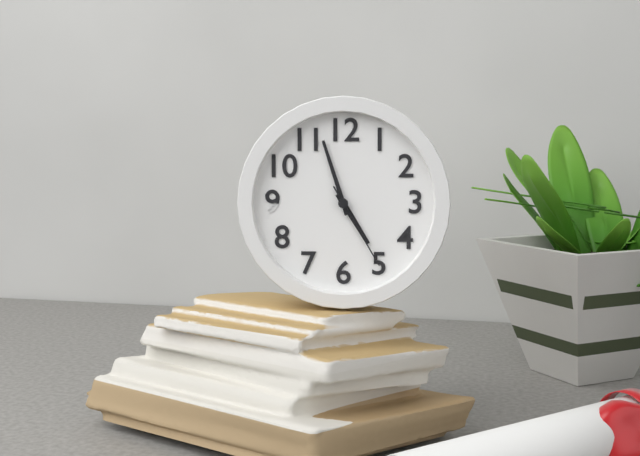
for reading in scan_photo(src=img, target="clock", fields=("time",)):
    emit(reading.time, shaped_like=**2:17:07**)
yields **4:57:25**
